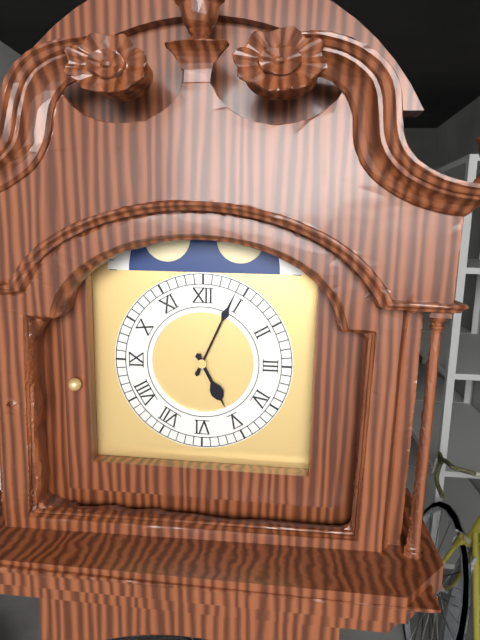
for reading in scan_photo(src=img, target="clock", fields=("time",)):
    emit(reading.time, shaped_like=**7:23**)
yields **5:04**
